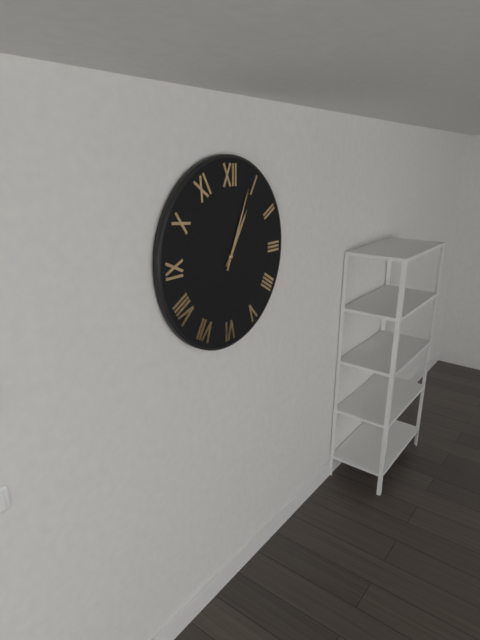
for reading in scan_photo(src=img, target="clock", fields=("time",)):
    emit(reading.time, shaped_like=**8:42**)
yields **1:04**
